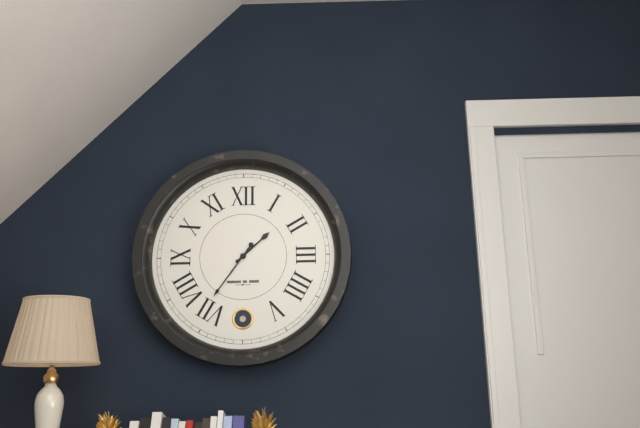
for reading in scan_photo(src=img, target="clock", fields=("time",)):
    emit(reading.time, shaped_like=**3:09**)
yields **1:36**
